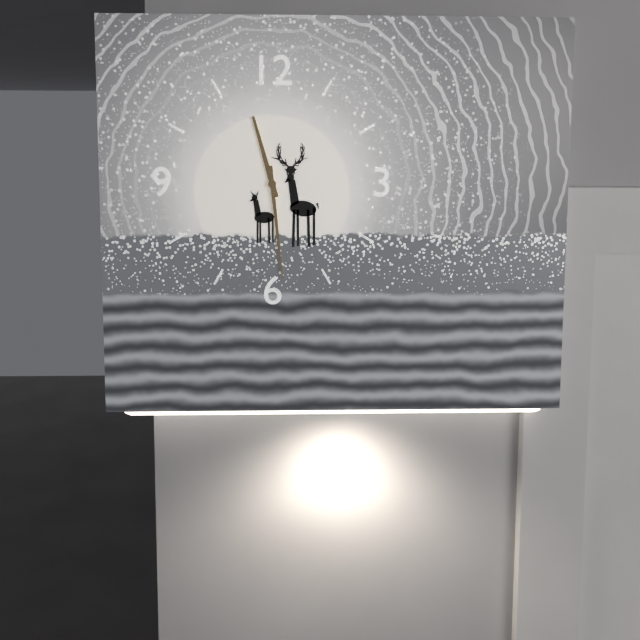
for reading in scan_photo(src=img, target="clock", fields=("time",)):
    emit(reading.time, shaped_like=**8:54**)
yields **11:29**
